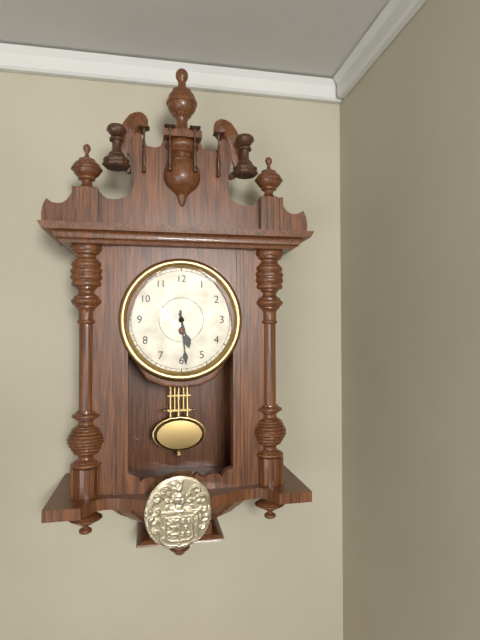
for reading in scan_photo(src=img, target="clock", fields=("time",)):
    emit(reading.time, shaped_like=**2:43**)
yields **5:29**
